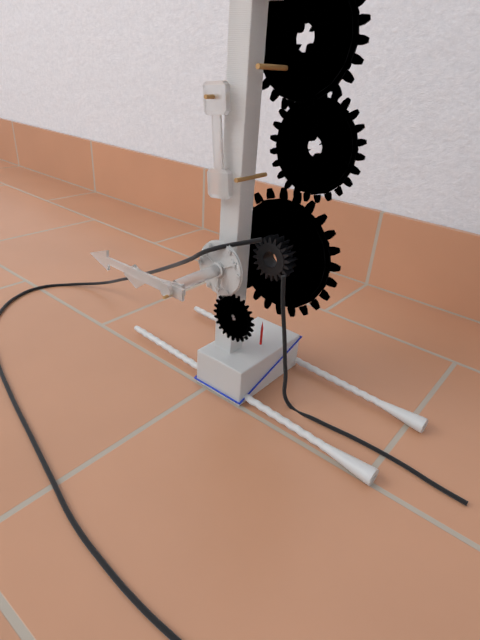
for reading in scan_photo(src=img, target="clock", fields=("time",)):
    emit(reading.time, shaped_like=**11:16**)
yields **8:45**
